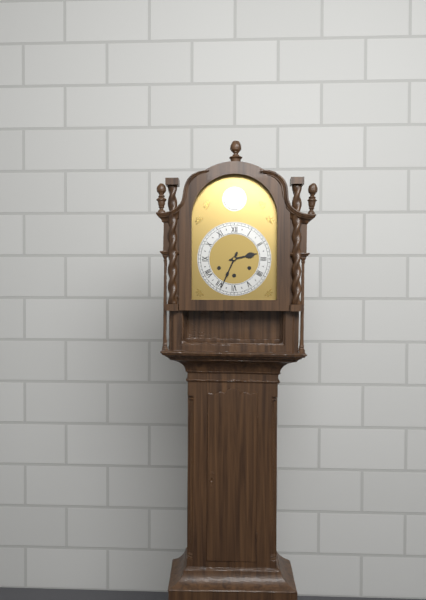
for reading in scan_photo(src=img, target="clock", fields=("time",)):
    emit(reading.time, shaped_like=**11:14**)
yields **2:34**
